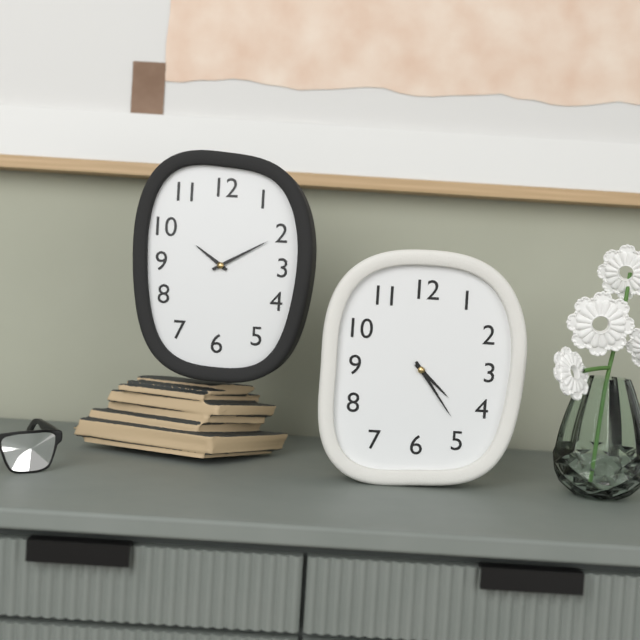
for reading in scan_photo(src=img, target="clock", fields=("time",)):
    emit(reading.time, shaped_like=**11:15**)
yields **4:24**
